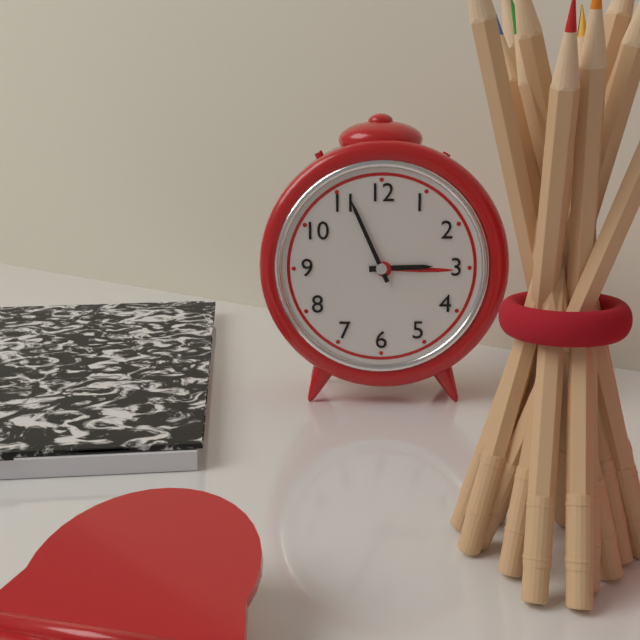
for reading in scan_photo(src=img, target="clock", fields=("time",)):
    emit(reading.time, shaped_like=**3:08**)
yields **2:56**
